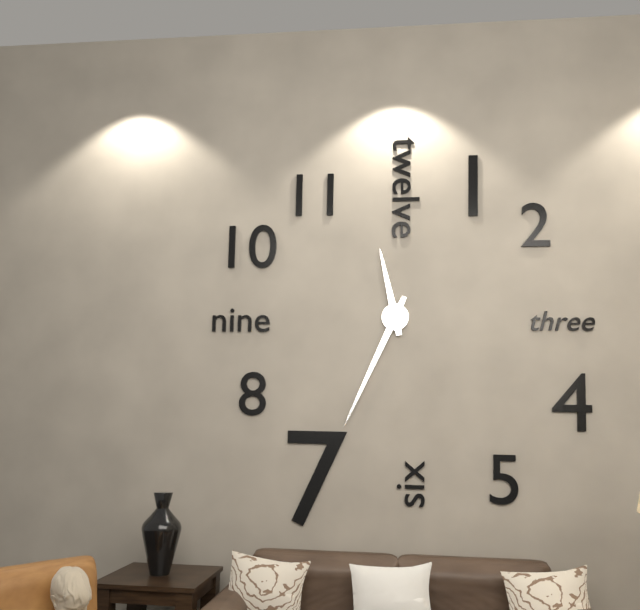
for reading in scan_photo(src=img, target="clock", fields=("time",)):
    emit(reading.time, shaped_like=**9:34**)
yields **11:34**
